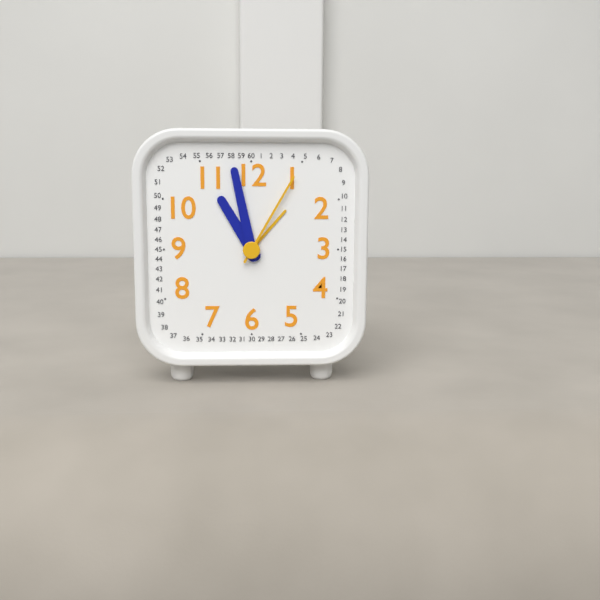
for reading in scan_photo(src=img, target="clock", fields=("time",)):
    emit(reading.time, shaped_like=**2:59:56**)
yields **10:58:05**
